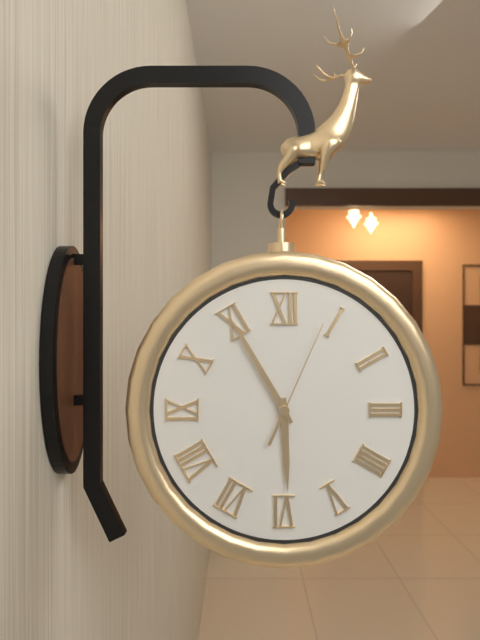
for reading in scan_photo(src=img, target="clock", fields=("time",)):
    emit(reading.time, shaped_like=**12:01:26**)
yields **5:55:04**
